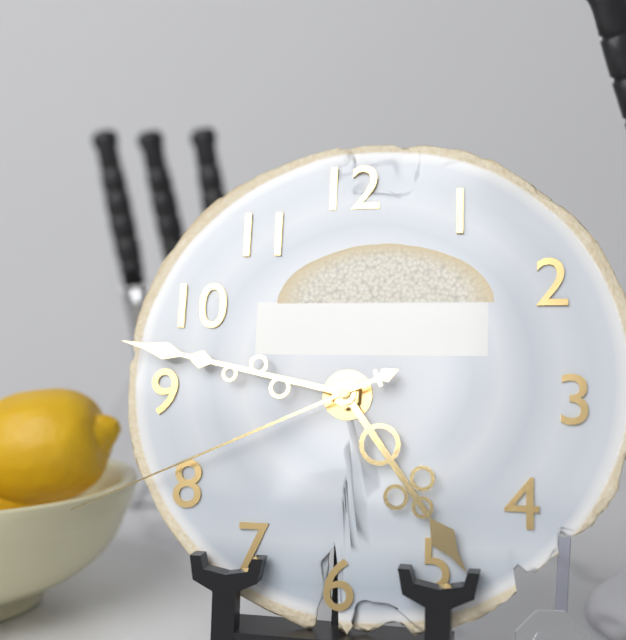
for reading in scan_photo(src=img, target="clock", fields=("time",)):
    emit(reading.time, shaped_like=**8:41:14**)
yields **4:47:41**
